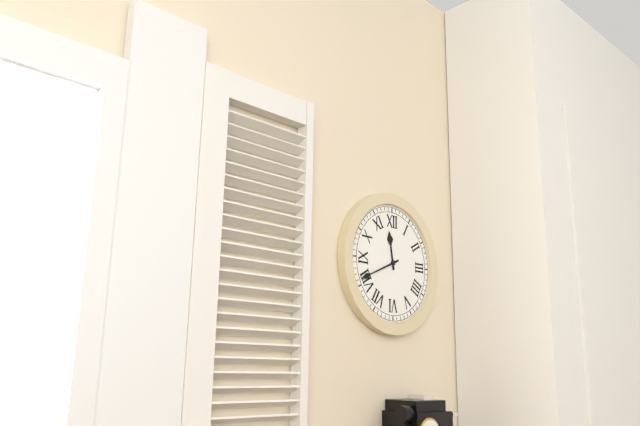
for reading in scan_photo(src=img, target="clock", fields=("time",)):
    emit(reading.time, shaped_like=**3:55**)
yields **11:41**
